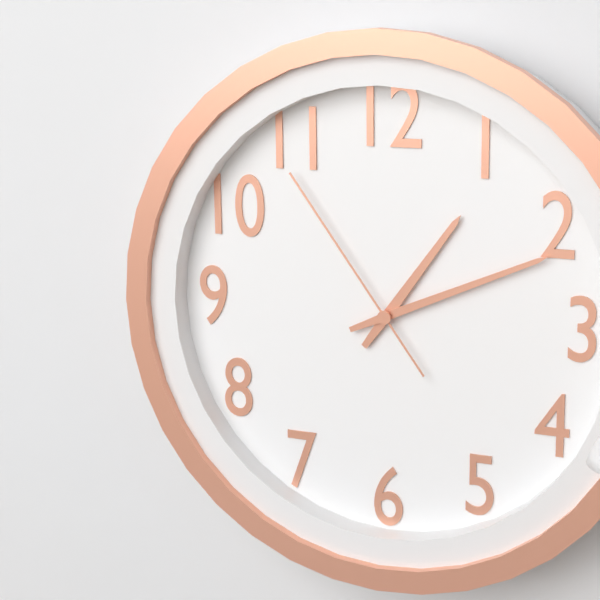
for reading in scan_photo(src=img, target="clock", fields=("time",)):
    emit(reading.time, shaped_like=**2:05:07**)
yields **1:11:54**
